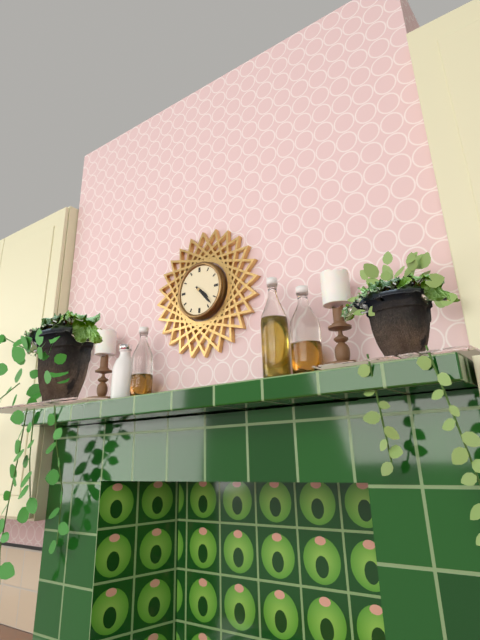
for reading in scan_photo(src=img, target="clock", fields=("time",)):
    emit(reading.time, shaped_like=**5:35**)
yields **4:23**
